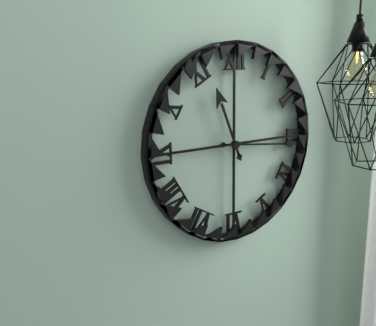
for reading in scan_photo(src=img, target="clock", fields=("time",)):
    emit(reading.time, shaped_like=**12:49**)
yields **11:16**
